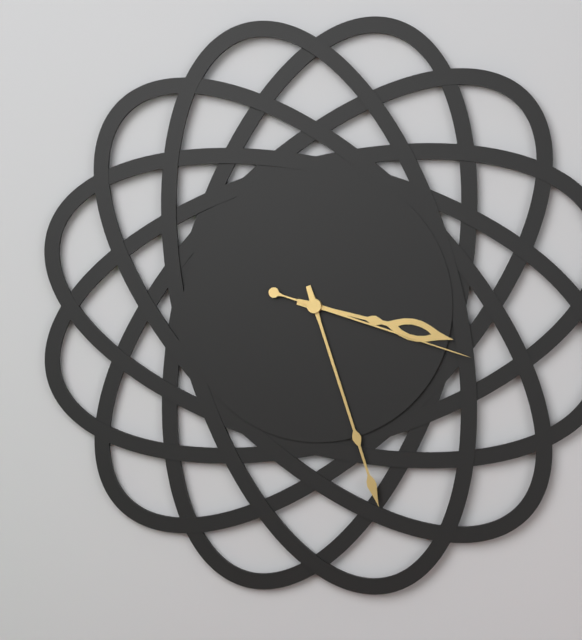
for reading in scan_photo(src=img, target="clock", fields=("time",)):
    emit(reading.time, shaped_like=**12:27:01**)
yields **3:27:18**
